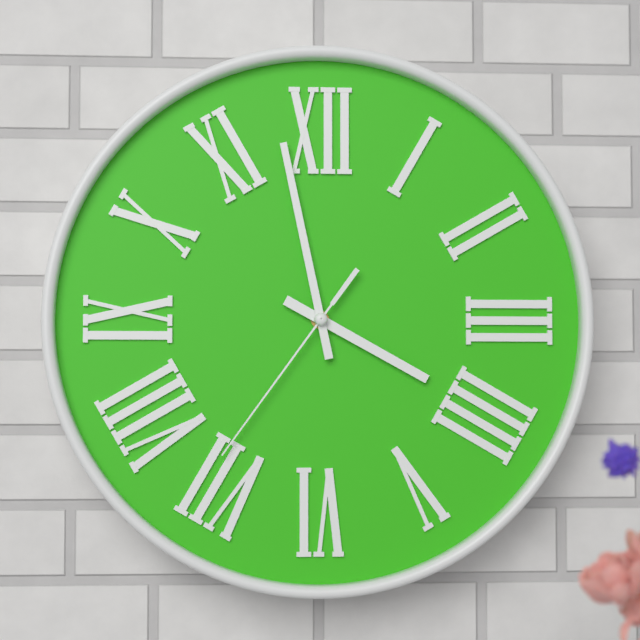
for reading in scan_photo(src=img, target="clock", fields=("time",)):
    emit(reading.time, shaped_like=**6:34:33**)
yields **3:58:36**
